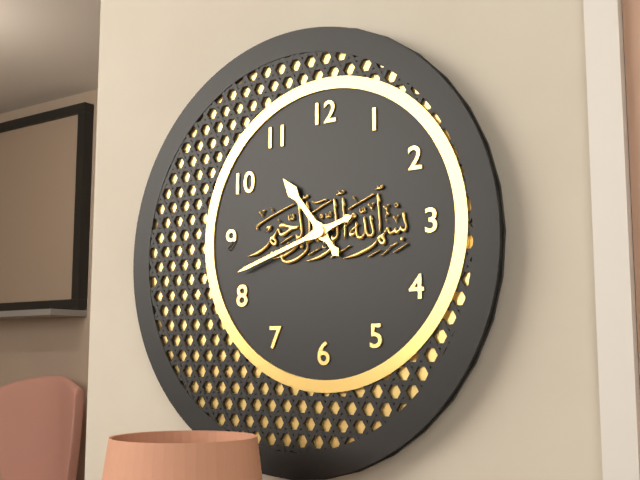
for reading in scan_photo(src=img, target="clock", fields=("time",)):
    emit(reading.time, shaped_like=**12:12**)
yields **10:42**
